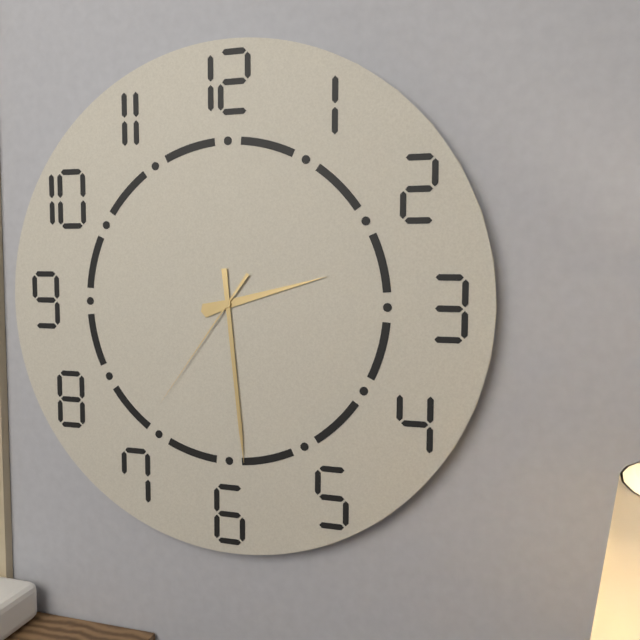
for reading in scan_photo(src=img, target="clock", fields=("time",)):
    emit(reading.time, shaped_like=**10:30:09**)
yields **2:29:36**
